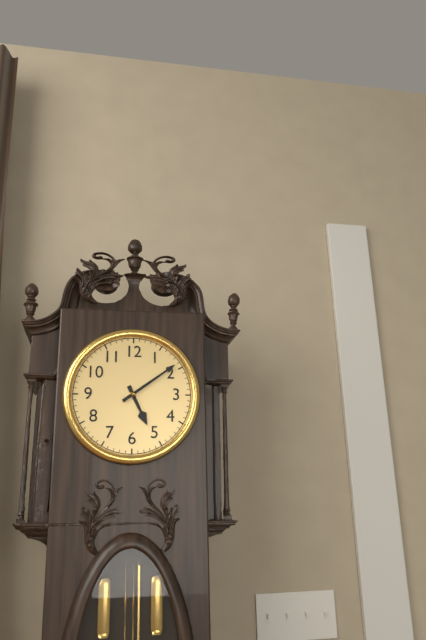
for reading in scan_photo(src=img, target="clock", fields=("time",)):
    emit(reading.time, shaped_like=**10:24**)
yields **5:09**
